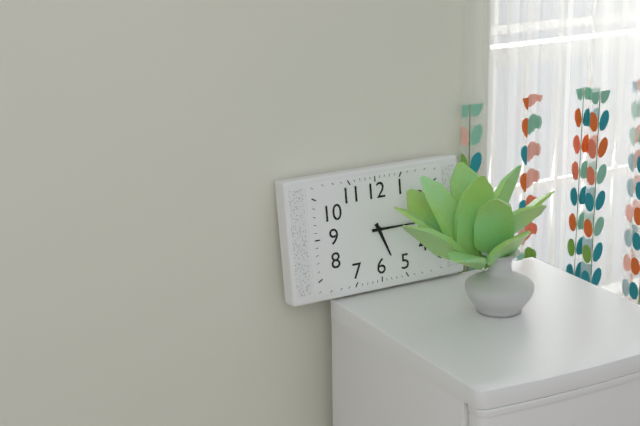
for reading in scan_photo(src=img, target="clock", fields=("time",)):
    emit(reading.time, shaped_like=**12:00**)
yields **5:15**
